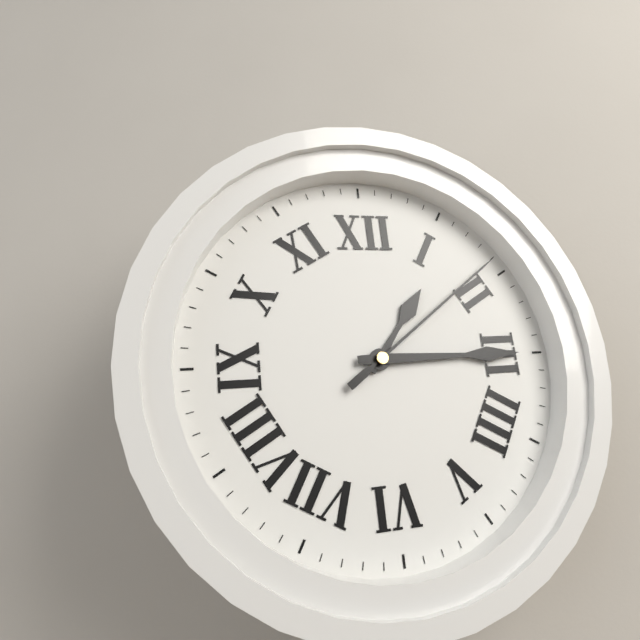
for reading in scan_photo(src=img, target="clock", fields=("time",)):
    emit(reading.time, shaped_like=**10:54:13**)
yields **1:15:09**
